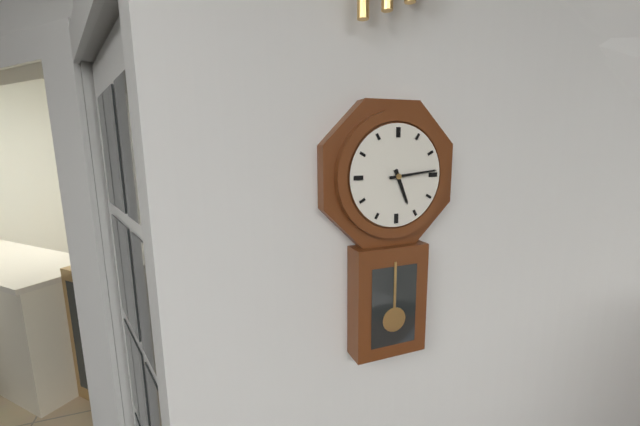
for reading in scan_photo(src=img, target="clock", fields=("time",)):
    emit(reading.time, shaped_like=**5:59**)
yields **5:14**
